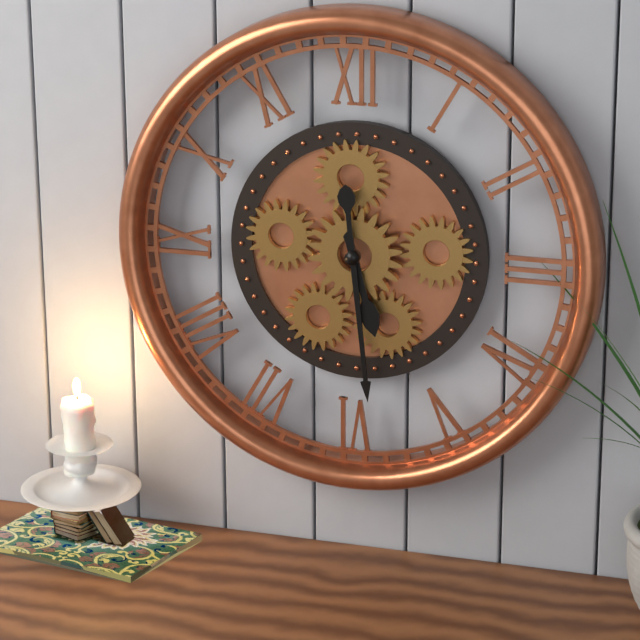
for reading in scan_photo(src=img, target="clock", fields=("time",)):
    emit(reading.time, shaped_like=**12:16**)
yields **5:29**
